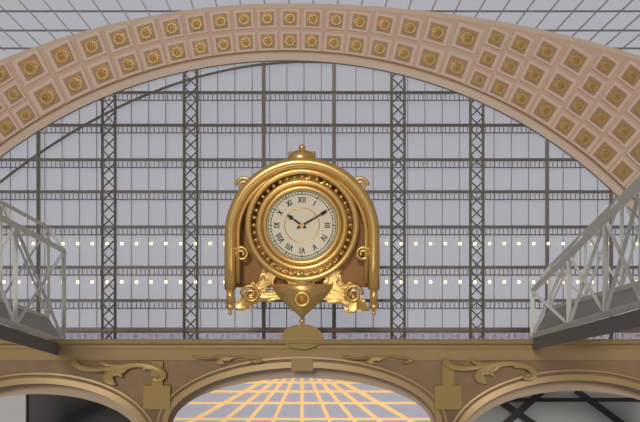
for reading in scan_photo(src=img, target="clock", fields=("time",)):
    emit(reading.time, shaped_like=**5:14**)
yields **10:10**
